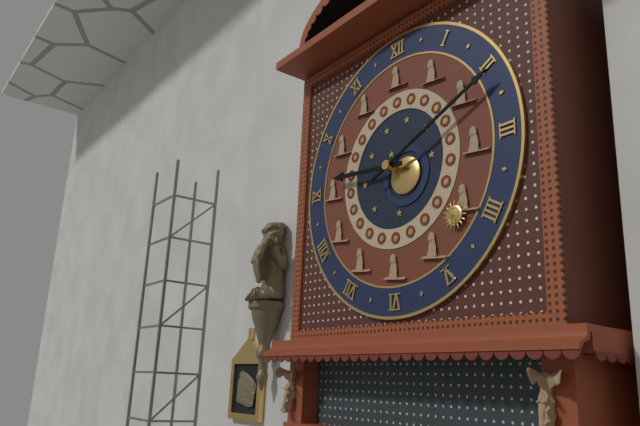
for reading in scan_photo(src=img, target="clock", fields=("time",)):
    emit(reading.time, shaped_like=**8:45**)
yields **9:11**
